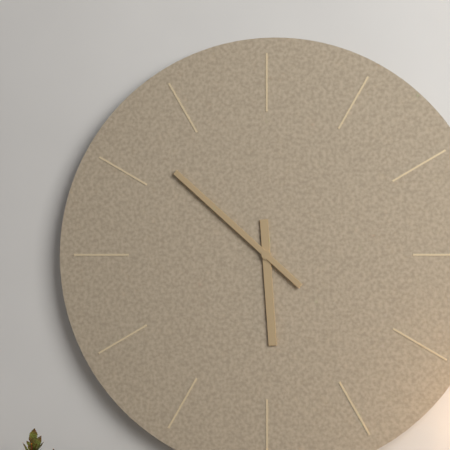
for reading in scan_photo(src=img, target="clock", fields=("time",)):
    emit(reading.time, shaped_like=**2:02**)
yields **5:52**
